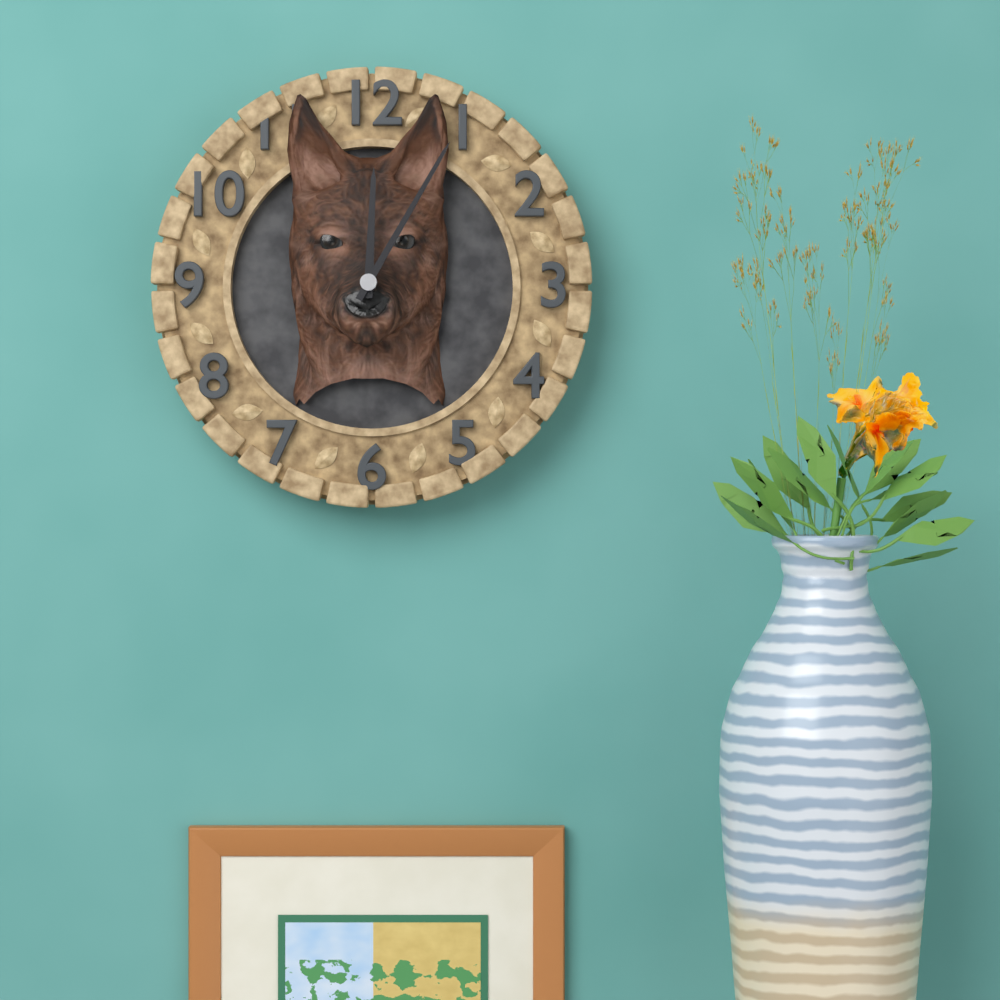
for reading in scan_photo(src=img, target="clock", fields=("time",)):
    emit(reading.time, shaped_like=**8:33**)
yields **12:05**
